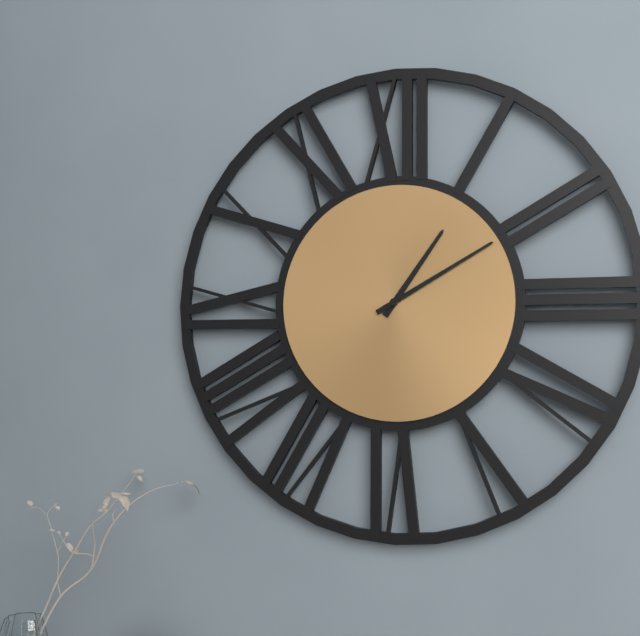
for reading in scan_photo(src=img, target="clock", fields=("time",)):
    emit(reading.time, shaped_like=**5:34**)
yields **1:10**
